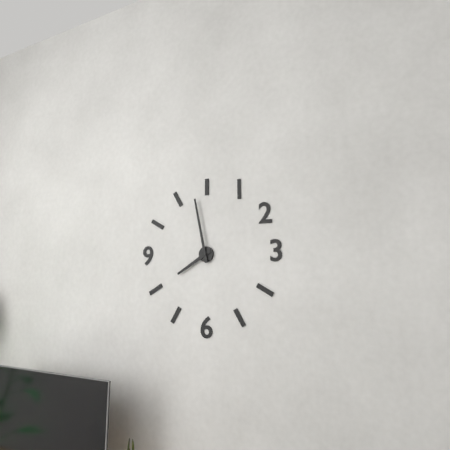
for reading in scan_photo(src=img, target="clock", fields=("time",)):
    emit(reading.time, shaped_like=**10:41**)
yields **7:58**
